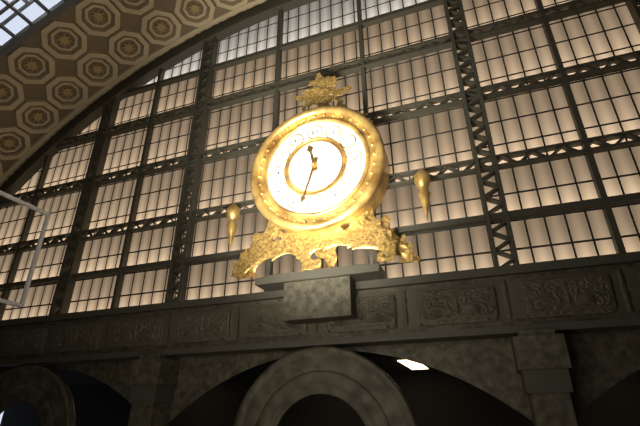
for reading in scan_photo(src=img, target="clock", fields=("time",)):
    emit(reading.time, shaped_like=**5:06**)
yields **11:33**
